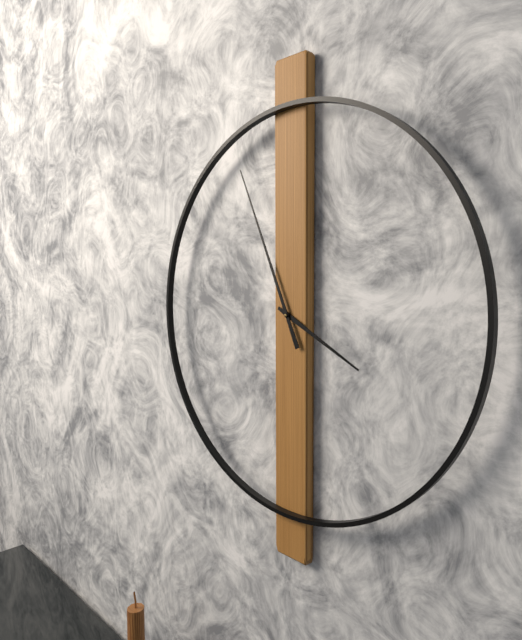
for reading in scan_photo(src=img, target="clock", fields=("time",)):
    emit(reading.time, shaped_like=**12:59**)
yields **3:56**
